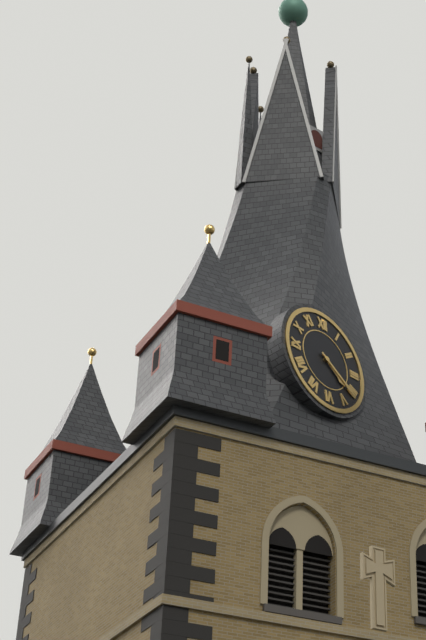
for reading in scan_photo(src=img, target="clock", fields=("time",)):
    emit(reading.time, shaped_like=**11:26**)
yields **4:21**
